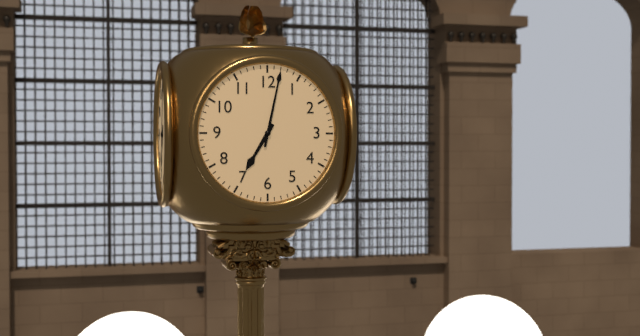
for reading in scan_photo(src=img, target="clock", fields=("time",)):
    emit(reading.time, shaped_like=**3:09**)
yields **7:02**
